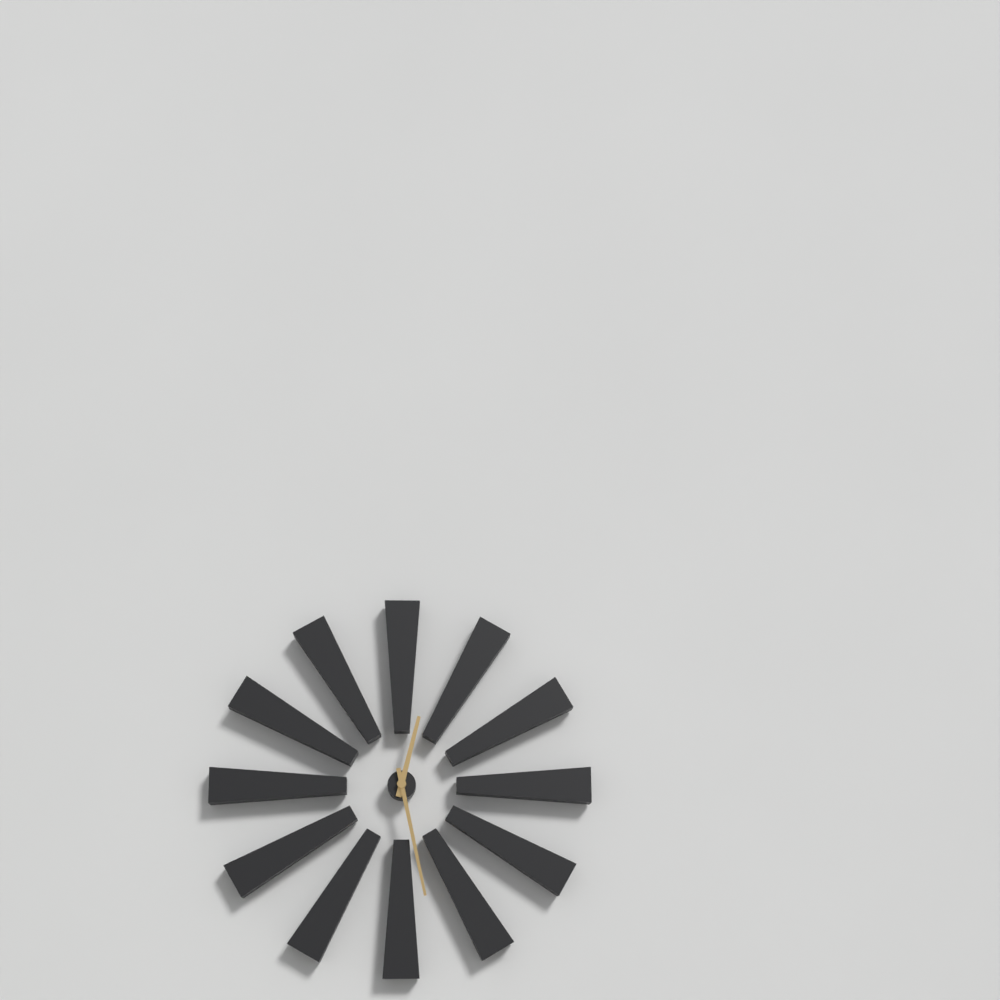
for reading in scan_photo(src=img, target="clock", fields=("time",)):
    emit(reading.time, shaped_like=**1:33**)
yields **12:28**
